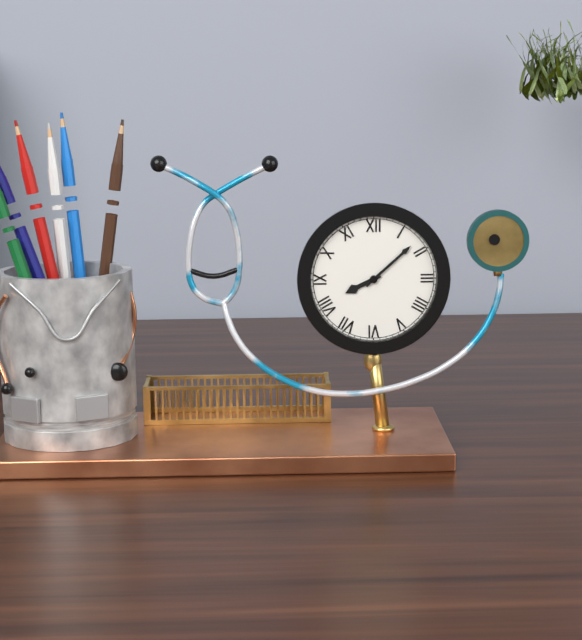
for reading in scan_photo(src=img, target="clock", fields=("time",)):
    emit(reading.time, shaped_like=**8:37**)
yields **8:08**
